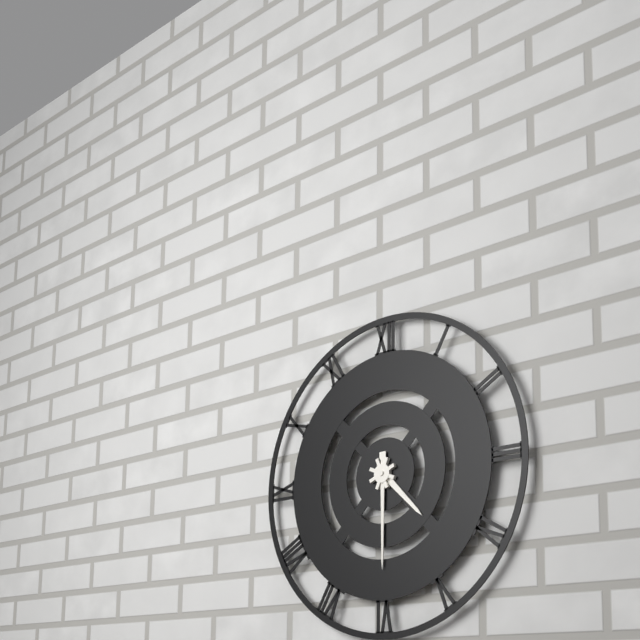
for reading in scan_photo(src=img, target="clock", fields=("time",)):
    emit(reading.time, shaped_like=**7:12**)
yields **4:30**
